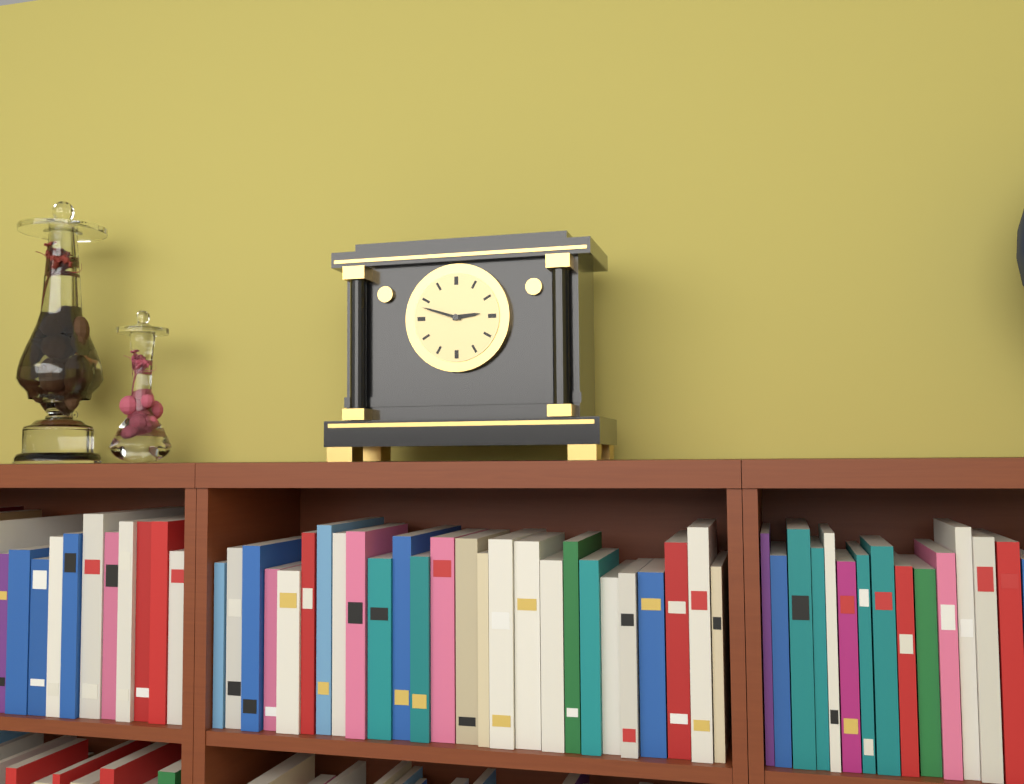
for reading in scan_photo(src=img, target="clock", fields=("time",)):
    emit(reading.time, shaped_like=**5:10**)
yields **2:48**
